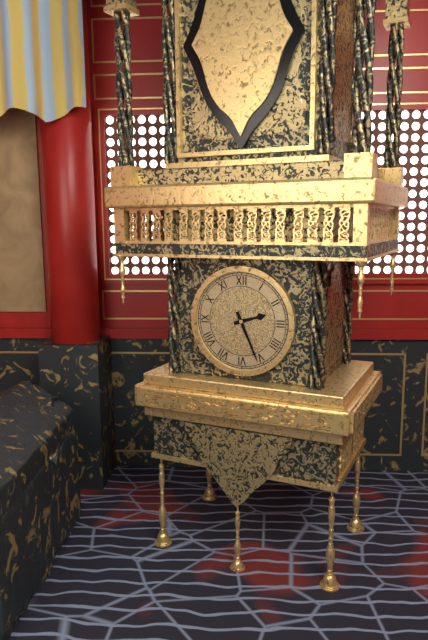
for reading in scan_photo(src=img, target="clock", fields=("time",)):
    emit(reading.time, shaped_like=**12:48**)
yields **2:26**
